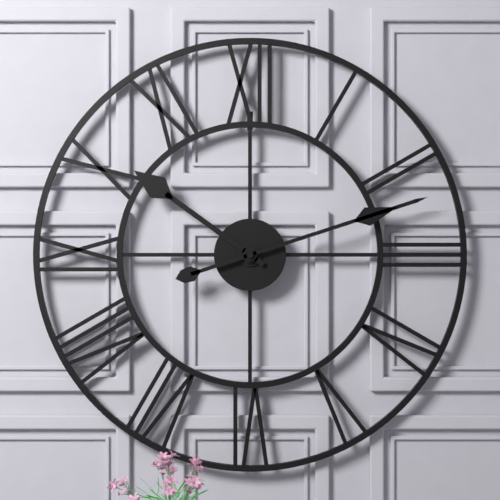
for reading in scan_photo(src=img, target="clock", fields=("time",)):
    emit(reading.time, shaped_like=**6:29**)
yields **10:12**
